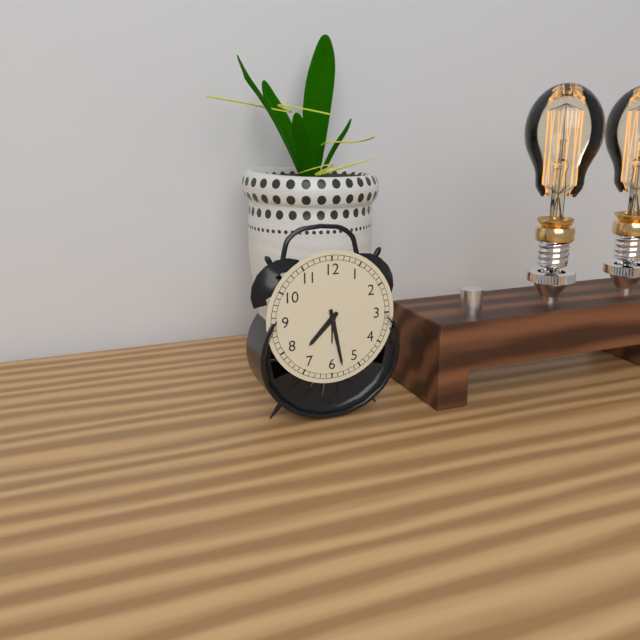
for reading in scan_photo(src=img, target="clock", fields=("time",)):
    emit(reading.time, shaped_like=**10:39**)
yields **7:28**
